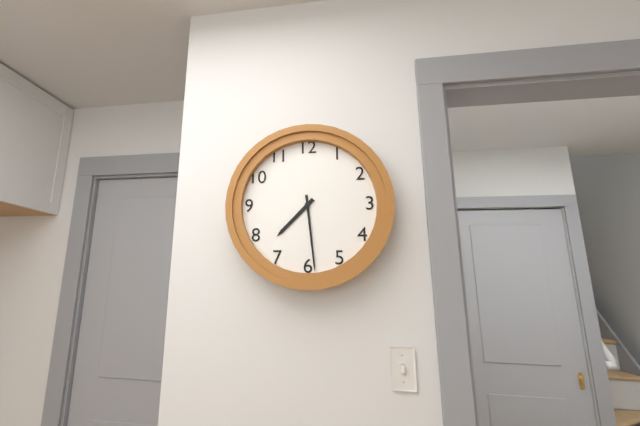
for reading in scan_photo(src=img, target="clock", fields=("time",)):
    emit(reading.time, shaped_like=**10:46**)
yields **7:29**
